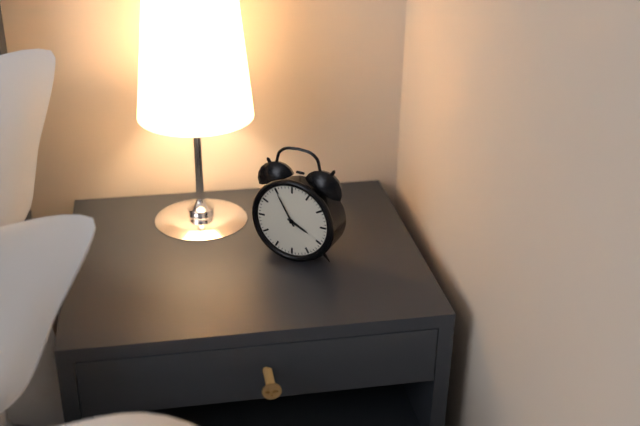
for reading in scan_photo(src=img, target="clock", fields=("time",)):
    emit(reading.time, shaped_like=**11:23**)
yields **3:55**
